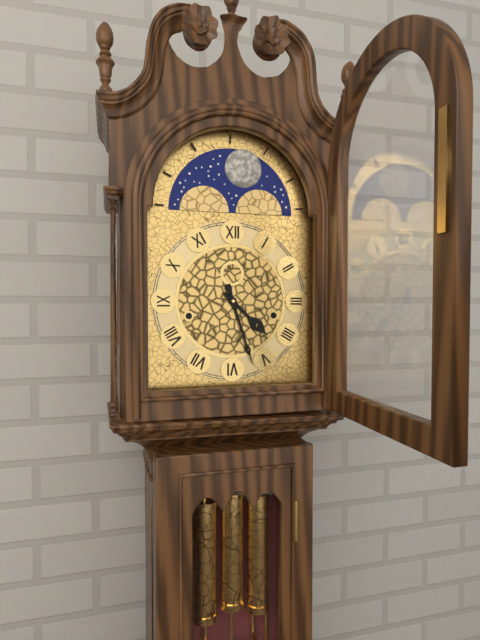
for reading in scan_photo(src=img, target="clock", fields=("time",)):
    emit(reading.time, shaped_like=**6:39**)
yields **4:27**
